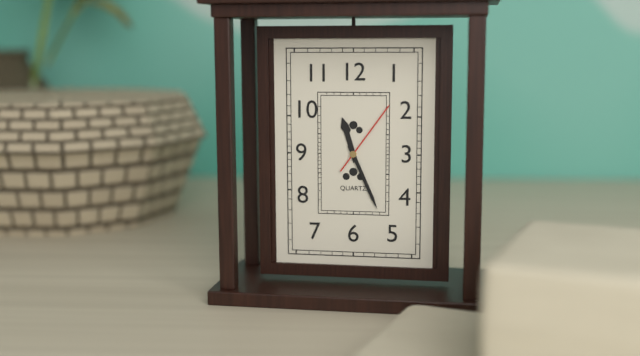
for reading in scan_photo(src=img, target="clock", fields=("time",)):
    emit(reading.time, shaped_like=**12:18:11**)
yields **11:26:06**
